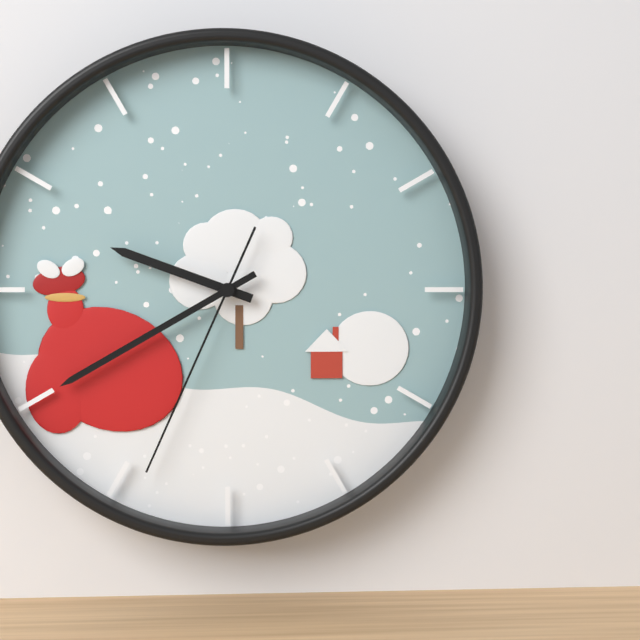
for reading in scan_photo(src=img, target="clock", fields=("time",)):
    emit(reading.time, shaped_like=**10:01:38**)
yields **9:40:34**
